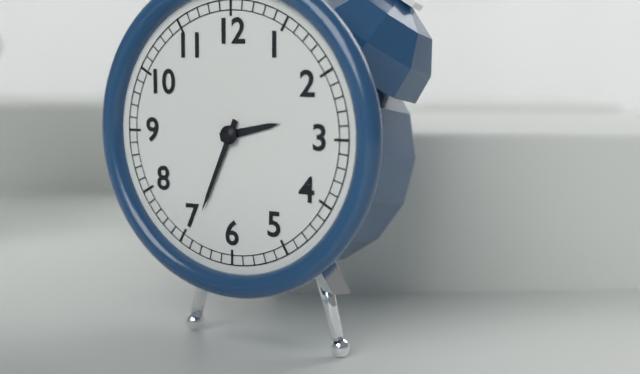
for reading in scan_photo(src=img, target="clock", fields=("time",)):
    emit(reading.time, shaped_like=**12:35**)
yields **2:34**
